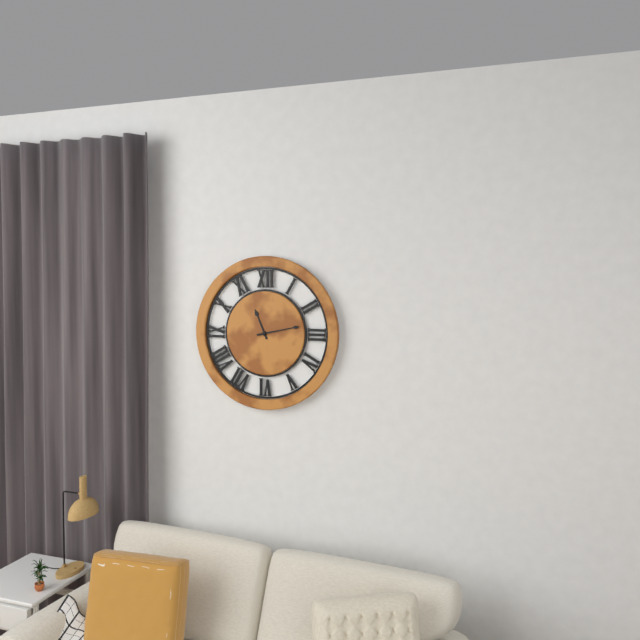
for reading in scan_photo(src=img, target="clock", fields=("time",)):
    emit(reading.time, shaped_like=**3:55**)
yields **11:13**
